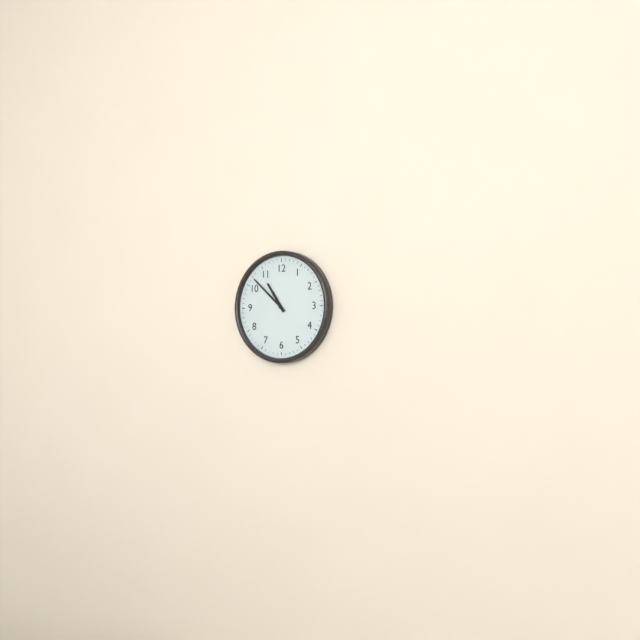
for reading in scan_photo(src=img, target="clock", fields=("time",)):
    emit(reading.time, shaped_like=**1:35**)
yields **10:52**
